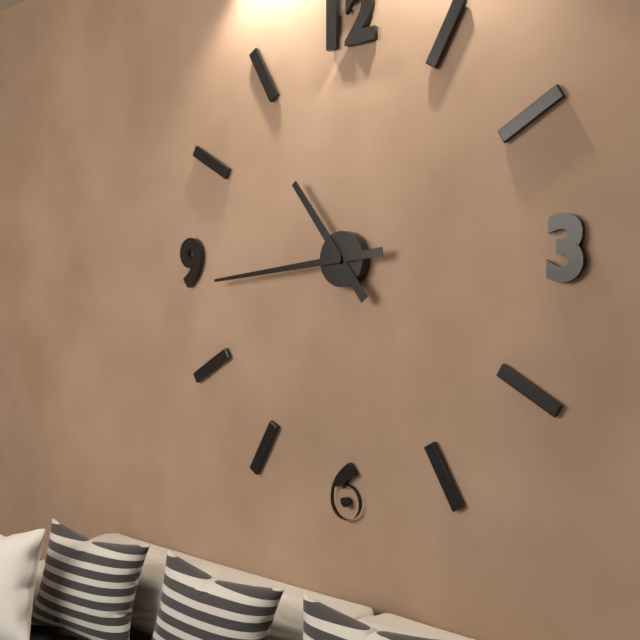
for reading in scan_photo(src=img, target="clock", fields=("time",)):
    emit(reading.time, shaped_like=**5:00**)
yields **10:44**
